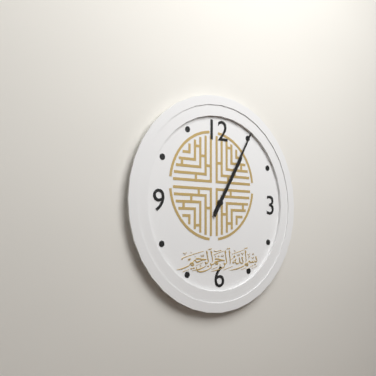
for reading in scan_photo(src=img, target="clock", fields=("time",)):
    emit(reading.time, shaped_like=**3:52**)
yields **1:05**
